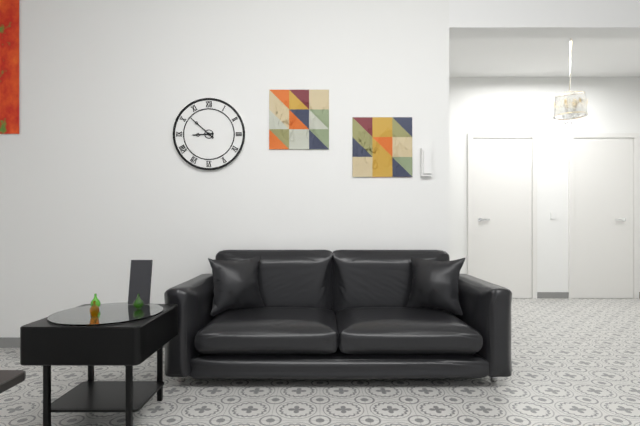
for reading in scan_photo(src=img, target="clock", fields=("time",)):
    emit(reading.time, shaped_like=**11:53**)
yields **8:52**
